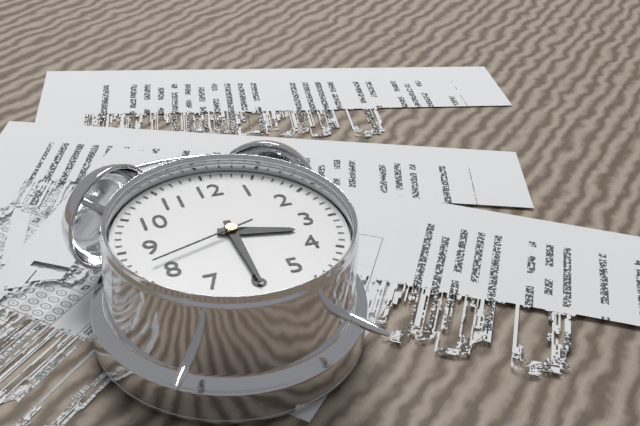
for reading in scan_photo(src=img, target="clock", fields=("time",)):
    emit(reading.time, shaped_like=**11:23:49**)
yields **3:30:42**
